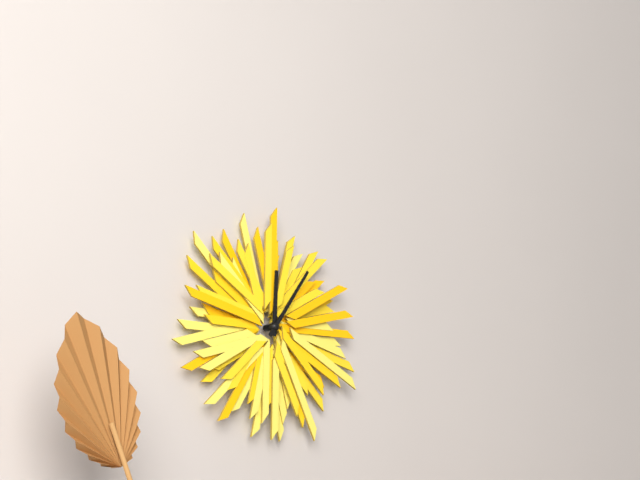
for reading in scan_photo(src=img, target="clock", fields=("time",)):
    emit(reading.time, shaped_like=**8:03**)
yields **12:06**
